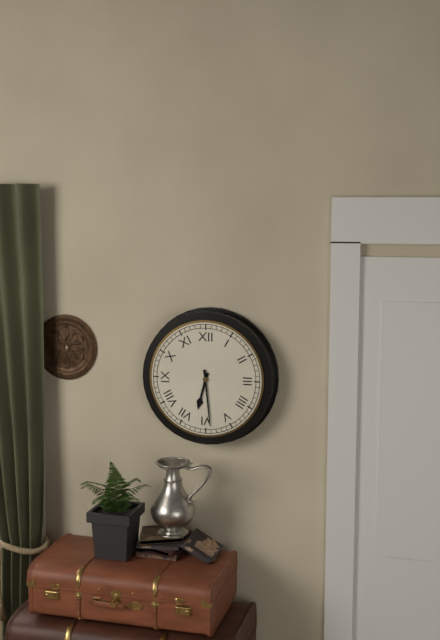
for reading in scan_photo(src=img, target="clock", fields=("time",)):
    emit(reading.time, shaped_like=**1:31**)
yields **6:29**
